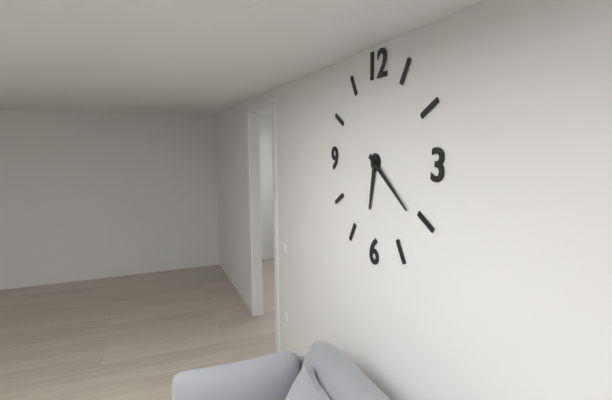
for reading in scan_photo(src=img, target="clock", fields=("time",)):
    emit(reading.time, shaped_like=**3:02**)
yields **6:21**
